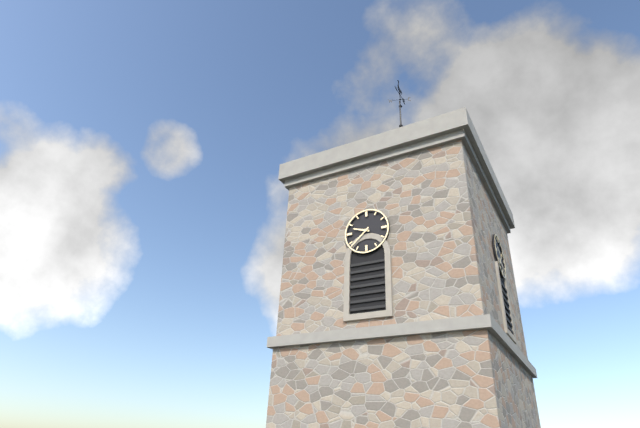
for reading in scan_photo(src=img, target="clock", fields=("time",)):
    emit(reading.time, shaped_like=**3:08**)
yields **9:38**
